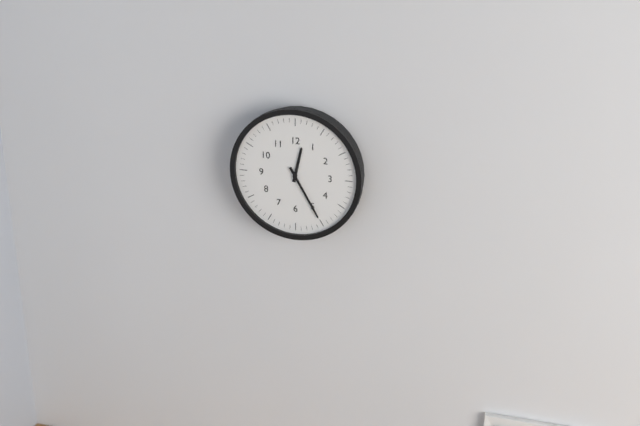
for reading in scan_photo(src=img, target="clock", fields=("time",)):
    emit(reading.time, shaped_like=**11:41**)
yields **12:25**
